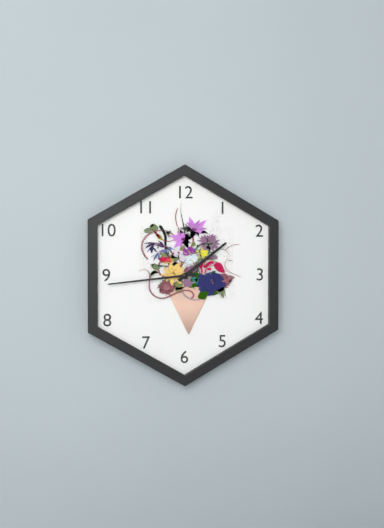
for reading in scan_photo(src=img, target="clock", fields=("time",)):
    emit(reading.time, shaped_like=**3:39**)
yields **1:44**
